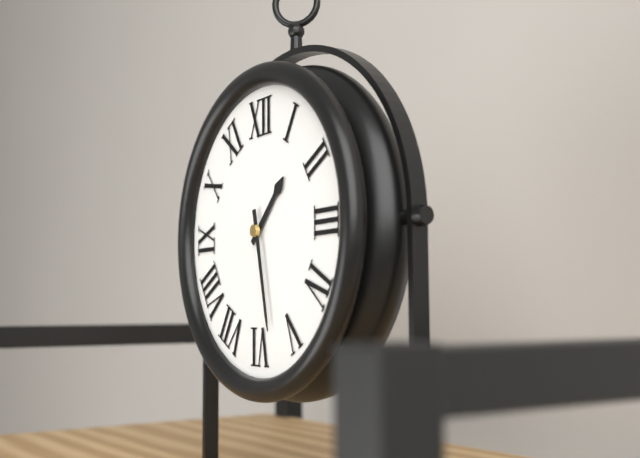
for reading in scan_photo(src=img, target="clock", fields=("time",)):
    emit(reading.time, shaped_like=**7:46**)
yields **1:28**
